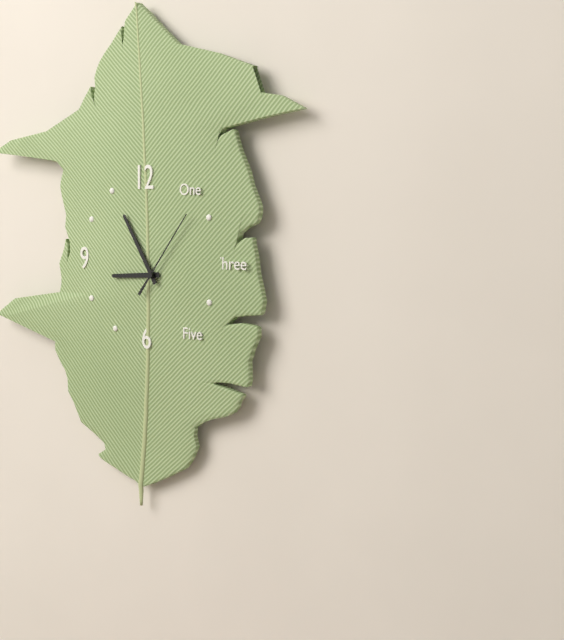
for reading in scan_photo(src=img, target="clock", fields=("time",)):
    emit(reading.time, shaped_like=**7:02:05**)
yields **8:55:06**
